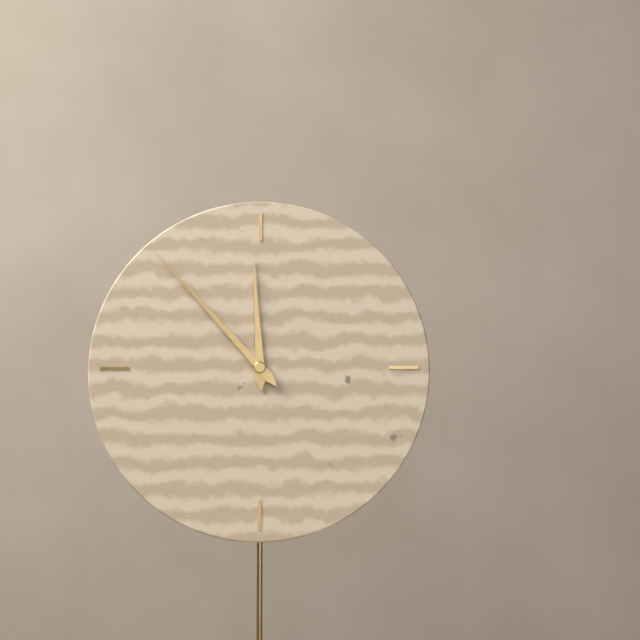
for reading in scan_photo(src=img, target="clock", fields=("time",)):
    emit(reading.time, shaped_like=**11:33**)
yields **11:53**
